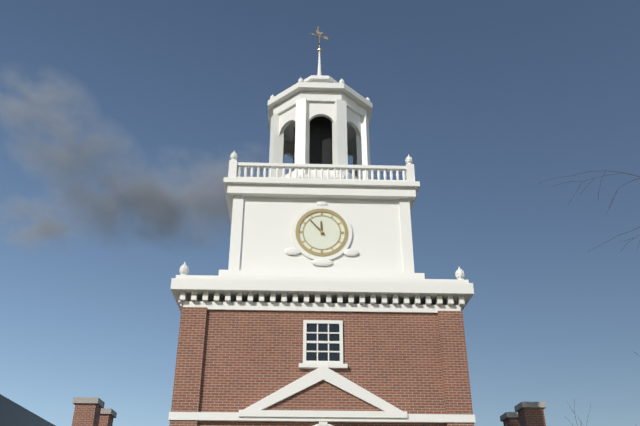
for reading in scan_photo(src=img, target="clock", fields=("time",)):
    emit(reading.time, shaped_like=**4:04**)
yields **11:53**
